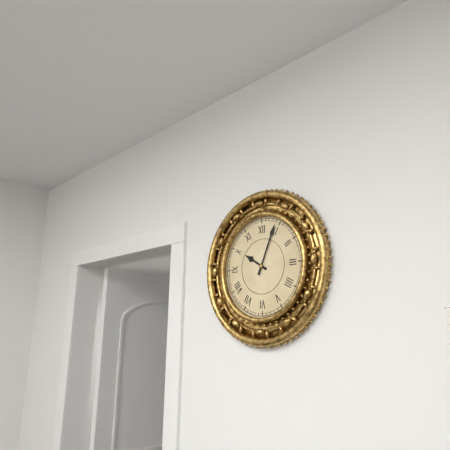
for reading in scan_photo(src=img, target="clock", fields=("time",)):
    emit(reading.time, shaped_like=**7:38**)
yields **10:04**
